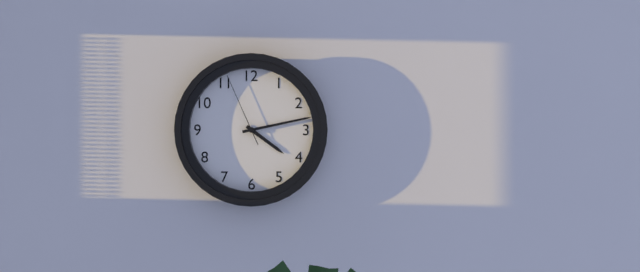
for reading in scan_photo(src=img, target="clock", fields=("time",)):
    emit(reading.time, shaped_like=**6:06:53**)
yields **4:13:56**
